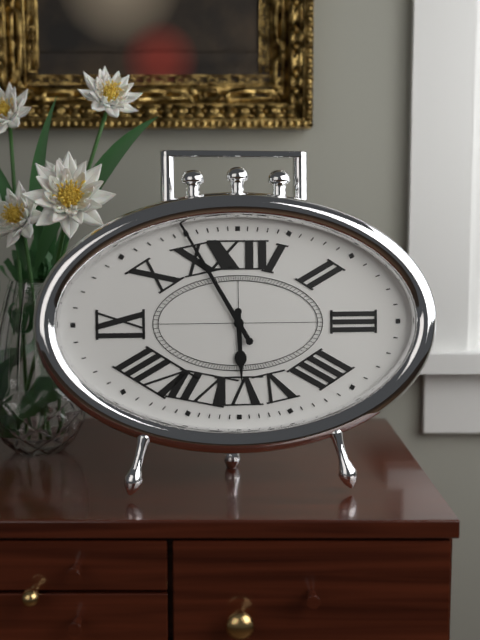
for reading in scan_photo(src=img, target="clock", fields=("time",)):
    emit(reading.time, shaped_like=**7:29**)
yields **5:55**
